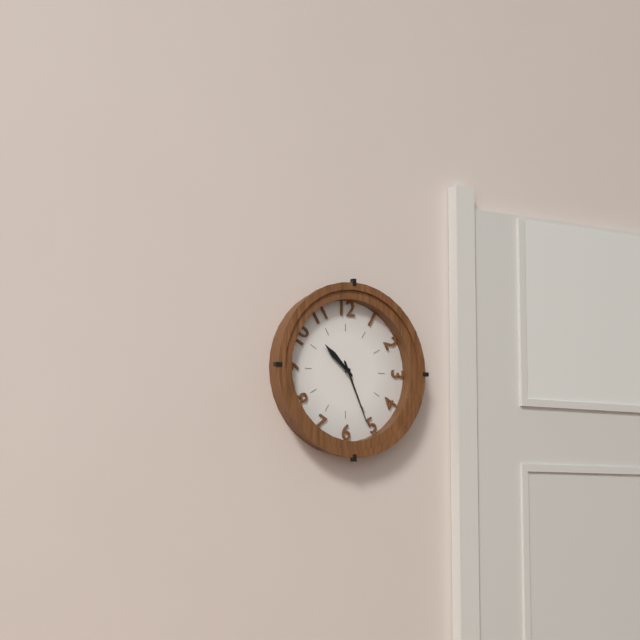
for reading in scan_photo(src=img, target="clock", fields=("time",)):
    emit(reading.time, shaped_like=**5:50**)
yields **10:26**
